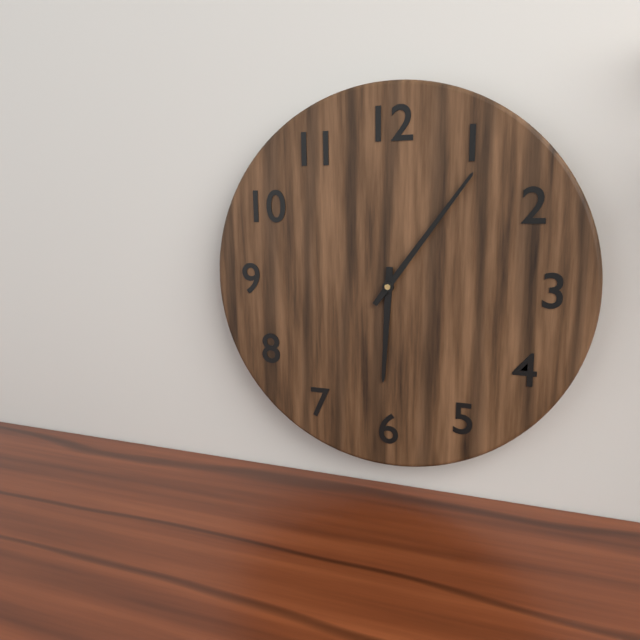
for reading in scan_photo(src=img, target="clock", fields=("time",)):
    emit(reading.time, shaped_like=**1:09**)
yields **6:06**
